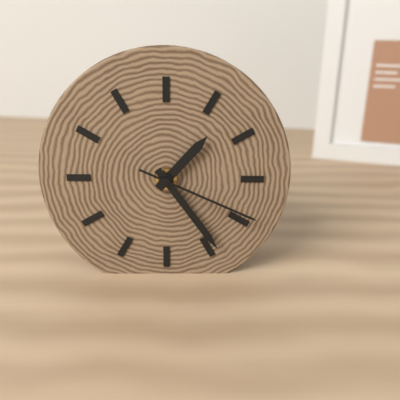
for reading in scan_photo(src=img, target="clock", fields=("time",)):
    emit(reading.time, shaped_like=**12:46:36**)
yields **1:24:19**
